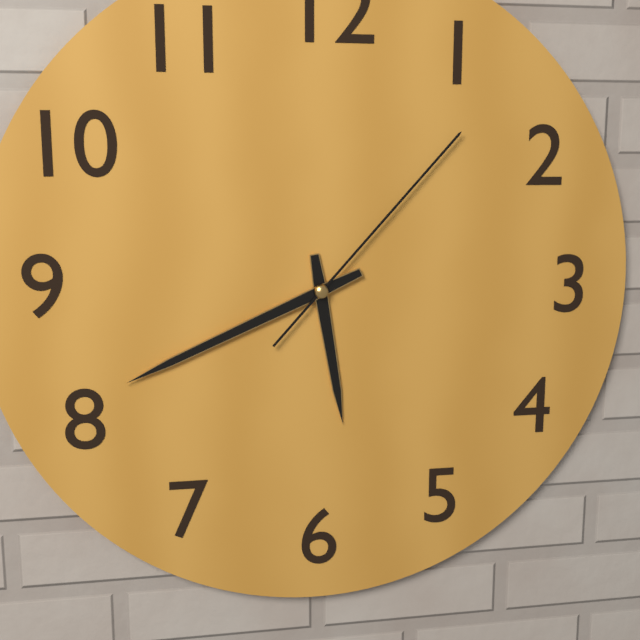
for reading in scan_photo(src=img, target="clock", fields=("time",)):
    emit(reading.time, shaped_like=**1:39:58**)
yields **5:41:07**
